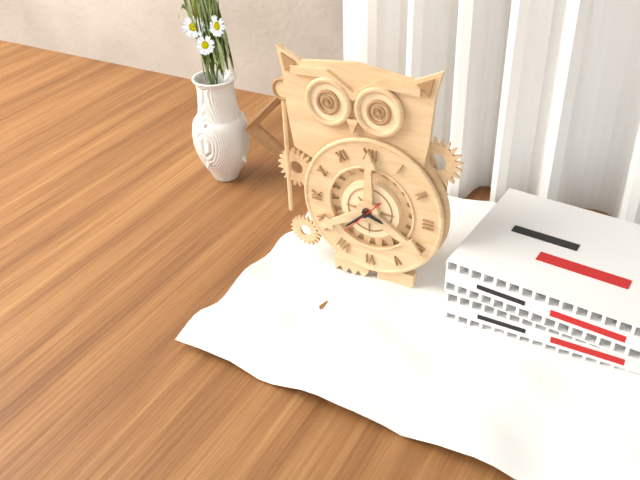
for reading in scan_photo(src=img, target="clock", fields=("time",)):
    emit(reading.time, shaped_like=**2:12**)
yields **3:38**
